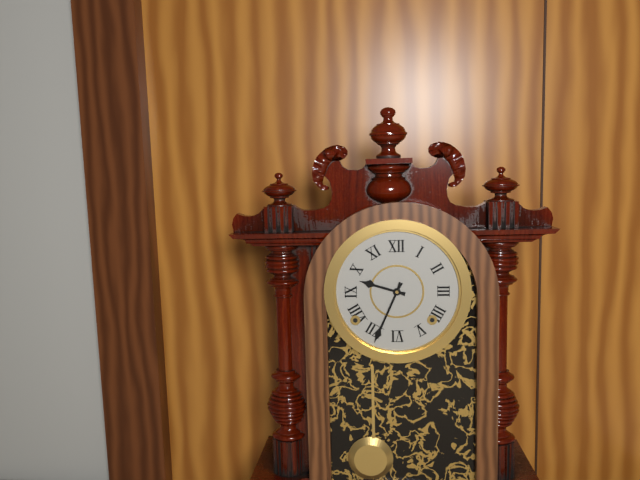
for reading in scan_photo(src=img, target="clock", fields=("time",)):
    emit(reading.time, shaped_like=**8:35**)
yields **9:34**
